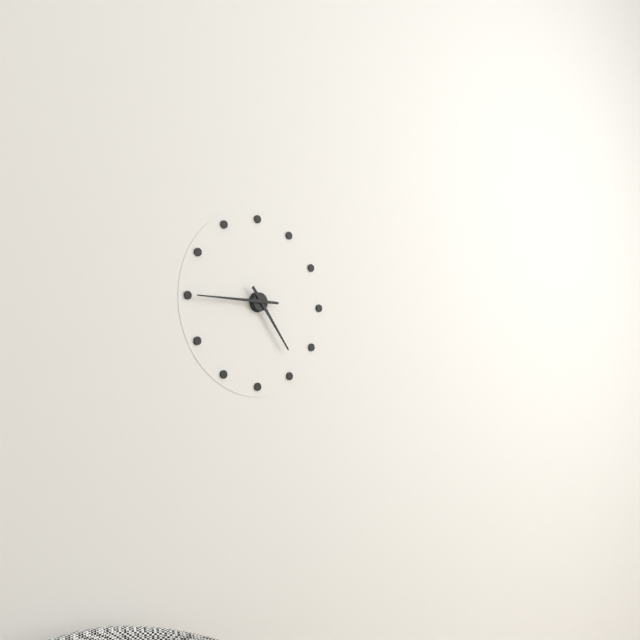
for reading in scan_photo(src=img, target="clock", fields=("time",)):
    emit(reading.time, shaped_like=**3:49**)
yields **4:45**
